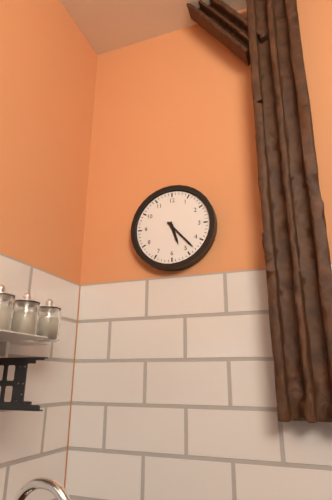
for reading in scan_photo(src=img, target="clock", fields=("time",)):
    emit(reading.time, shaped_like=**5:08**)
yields **5:23**
